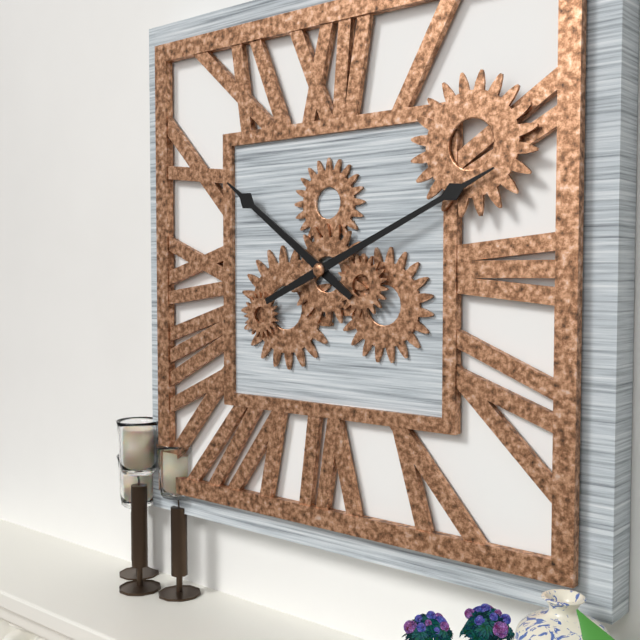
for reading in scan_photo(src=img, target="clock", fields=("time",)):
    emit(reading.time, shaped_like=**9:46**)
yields **10:11**
